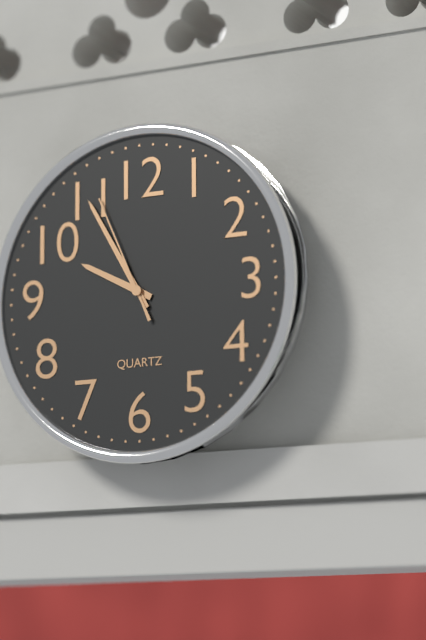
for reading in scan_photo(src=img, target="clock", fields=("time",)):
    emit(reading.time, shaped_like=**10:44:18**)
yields **9:55:56**
